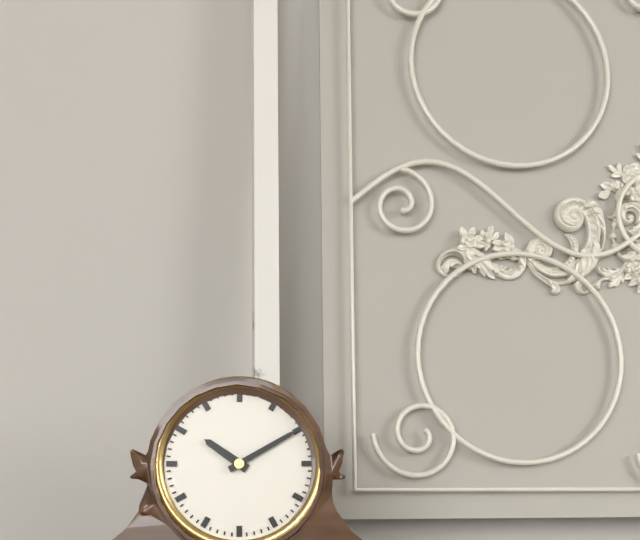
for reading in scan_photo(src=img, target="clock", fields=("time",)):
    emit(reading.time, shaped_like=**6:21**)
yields **10:10**
